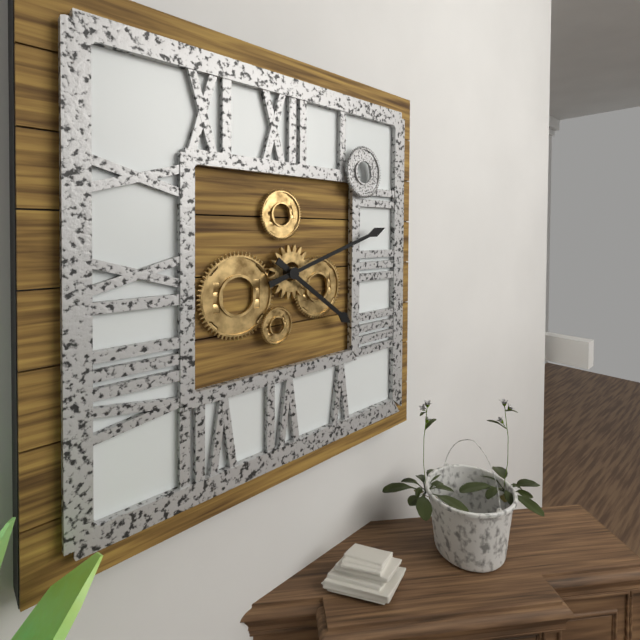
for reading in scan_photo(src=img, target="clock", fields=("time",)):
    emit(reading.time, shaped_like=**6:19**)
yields **4:12**
